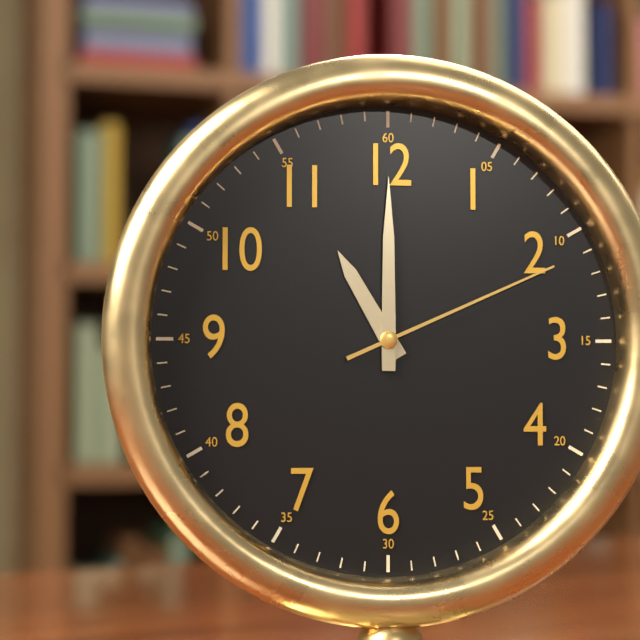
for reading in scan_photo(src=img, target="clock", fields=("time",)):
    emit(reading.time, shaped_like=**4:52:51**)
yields **11:00:11**
